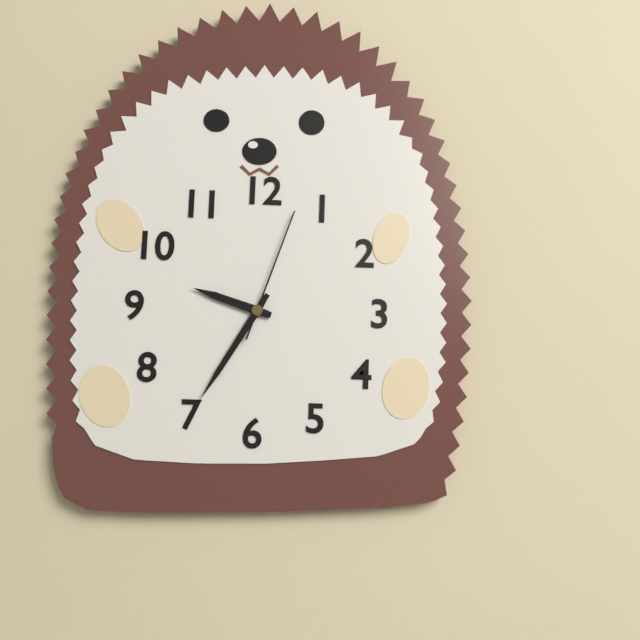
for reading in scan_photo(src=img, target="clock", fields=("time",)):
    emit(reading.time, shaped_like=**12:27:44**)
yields **9:35:03**
